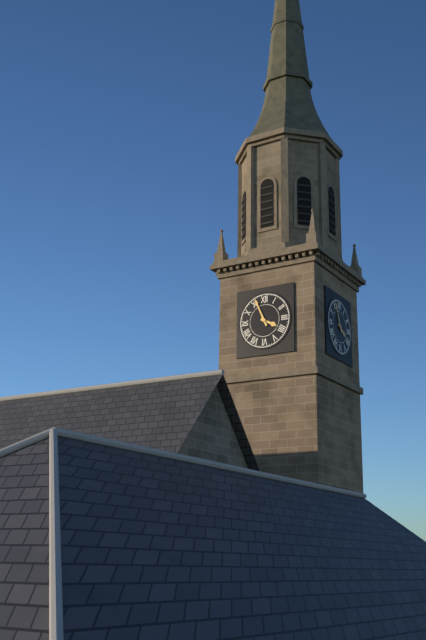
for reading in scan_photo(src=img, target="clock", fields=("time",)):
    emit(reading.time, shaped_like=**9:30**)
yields **3:56**
